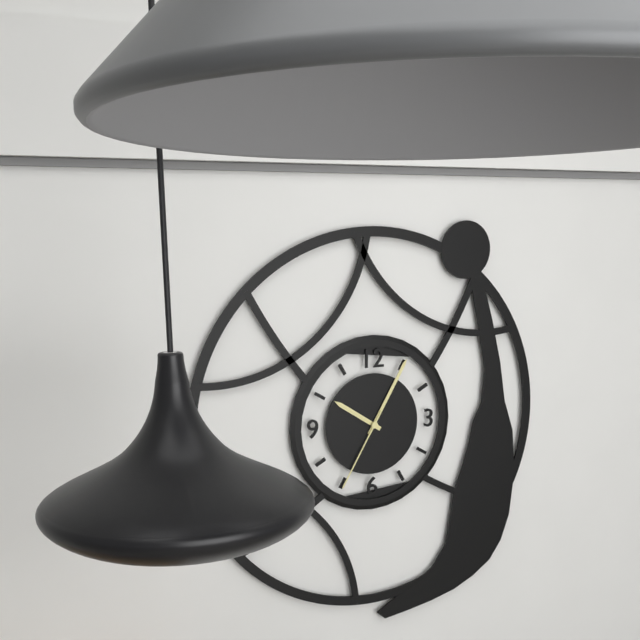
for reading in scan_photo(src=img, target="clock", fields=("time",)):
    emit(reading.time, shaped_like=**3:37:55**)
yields **10:05:35**
